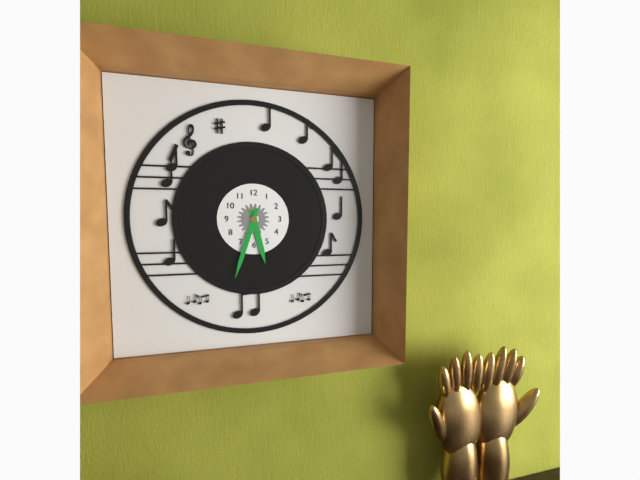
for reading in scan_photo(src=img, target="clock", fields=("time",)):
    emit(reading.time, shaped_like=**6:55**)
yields **5:33**
